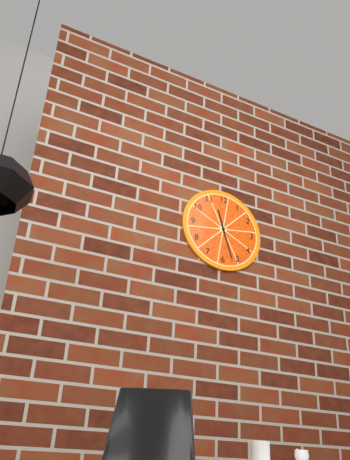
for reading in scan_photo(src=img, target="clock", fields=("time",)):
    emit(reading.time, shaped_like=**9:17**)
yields **11:27**
